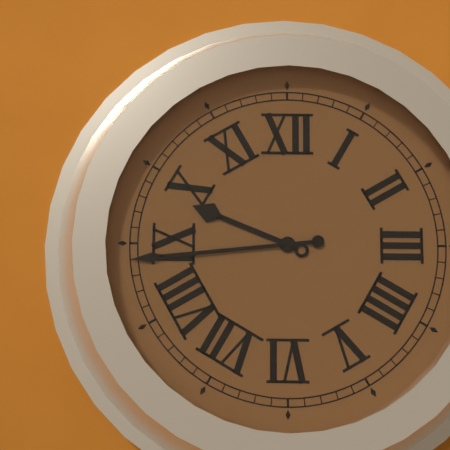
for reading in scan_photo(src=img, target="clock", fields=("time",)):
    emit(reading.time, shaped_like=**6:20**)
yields **9:44**
